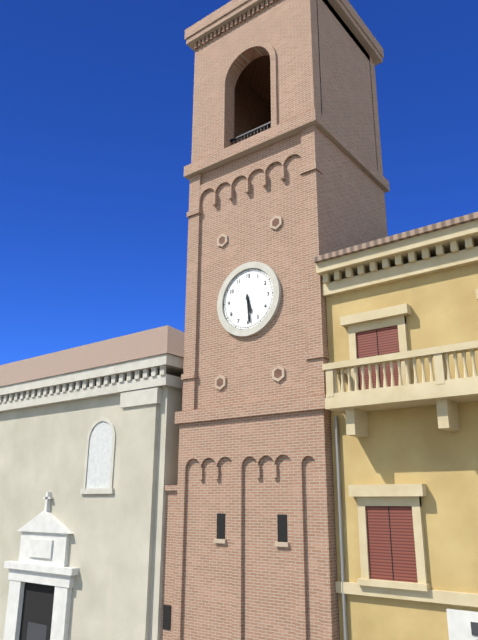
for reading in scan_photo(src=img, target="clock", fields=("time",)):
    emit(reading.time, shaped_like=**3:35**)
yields **5:29**
